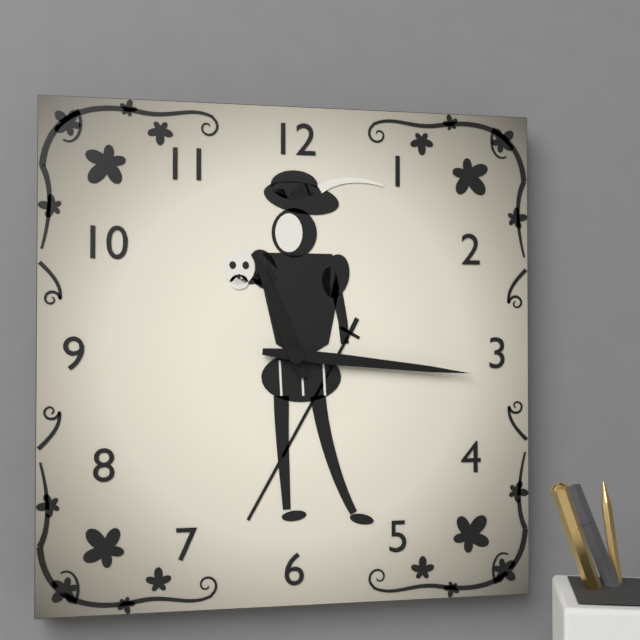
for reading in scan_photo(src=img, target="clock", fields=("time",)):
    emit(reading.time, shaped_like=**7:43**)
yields **11:16**
